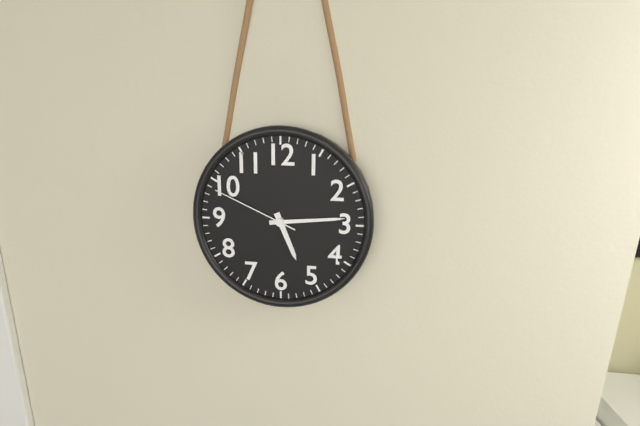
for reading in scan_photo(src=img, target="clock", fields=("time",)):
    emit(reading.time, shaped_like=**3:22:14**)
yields **5:14:49**
